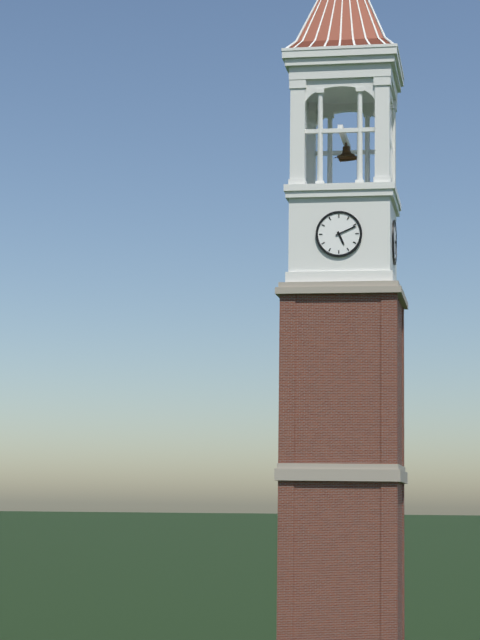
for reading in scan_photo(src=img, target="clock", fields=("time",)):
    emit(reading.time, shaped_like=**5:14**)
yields **5:11**
